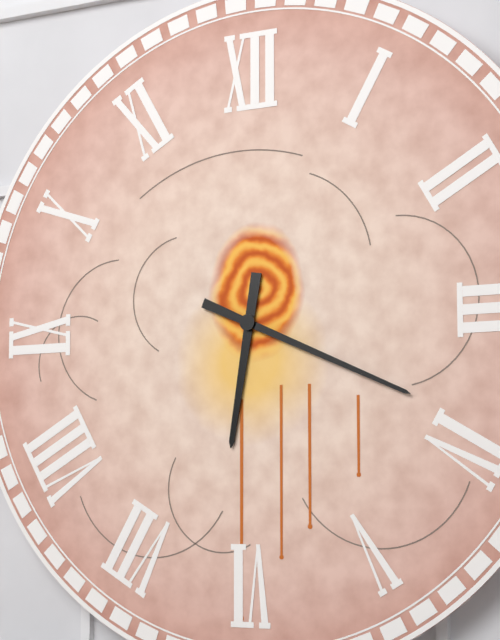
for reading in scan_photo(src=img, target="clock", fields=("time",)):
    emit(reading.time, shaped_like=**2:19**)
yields **6:19**
